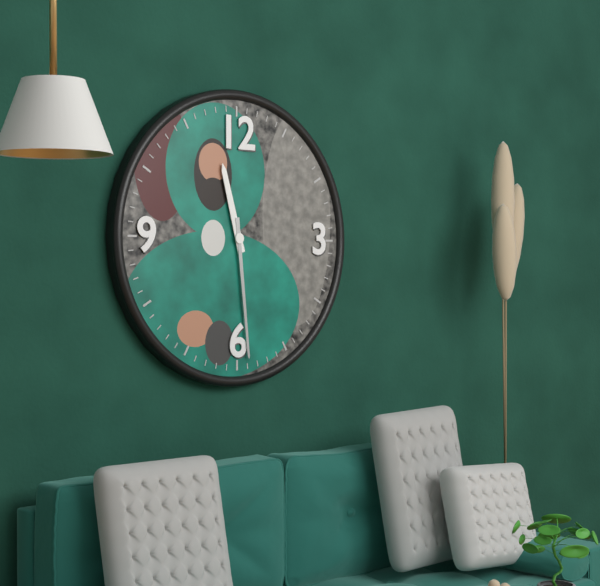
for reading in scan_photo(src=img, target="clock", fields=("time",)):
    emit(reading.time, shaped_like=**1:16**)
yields **11:29**
